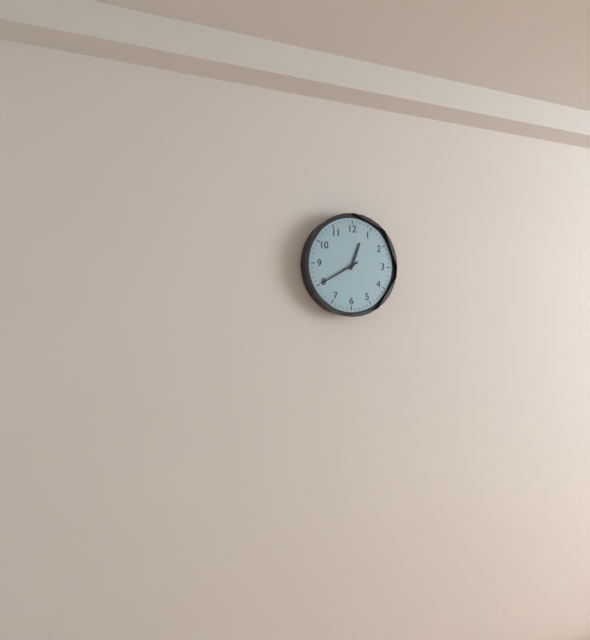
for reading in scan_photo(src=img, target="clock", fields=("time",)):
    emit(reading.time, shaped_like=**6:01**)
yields **12:40**
